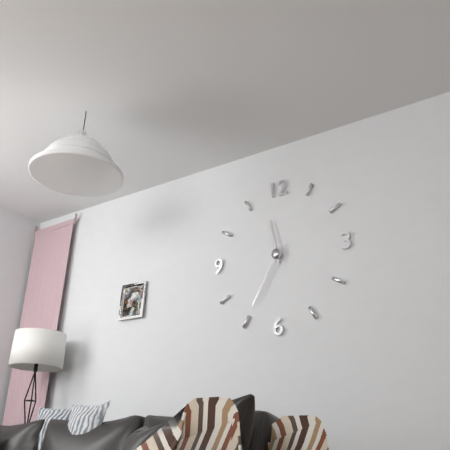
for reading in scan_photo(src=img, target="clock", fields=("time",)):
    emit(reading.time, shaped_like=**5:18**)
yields **11:35**
